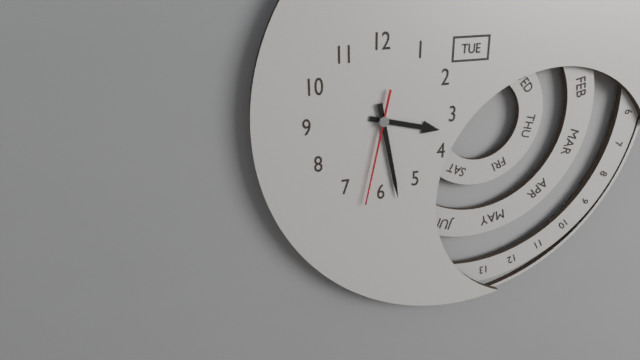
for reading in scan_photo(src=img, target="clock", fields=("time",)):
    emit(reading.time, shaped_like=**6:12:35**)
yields **3:28:32**
